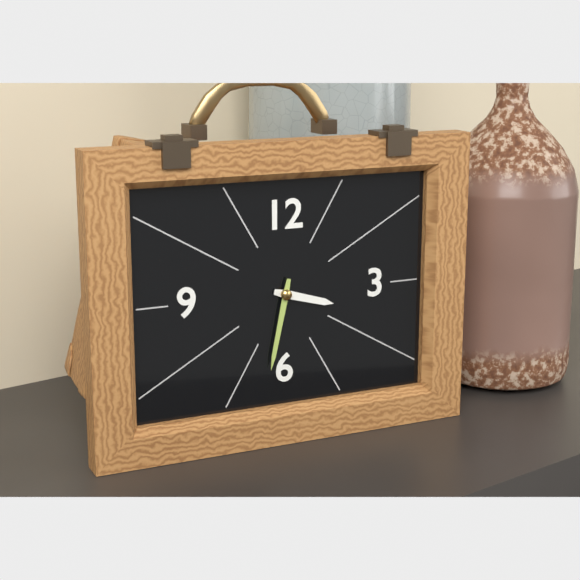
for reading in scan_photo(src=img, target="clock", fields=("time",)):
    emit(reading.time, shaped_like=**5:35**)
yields **3:32**
